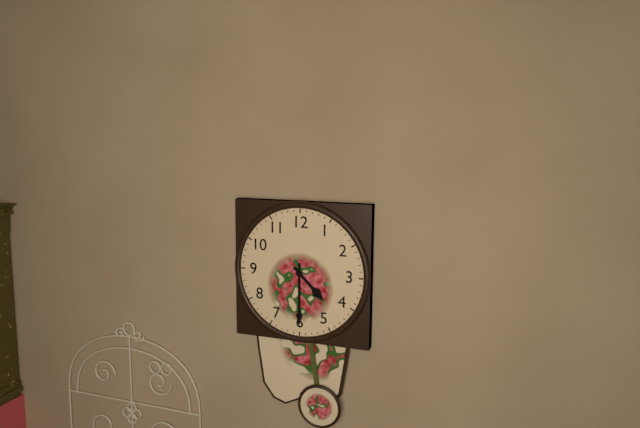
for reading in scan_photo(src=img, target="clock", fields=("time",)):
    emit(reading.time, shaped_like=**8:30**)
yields **4:30**
